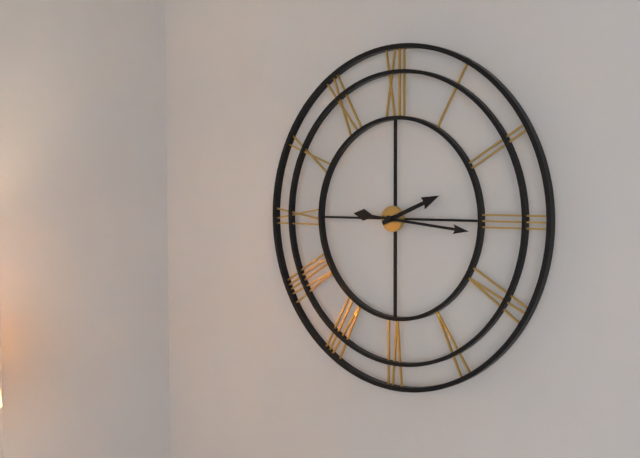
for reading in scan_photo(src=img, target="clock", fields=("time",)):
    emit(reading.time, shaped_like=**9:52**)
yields **2:16**
